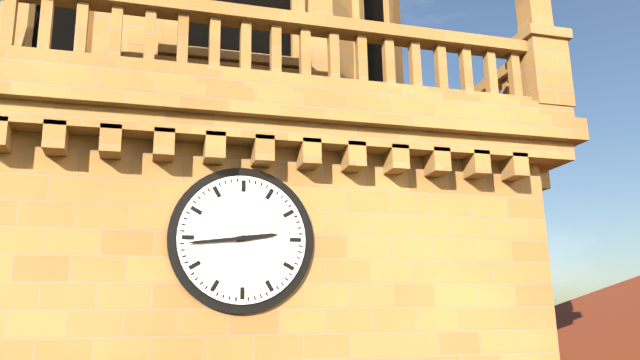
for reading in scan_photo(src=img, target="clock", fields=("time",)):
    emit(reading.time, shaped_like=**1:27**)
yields **2:44**
